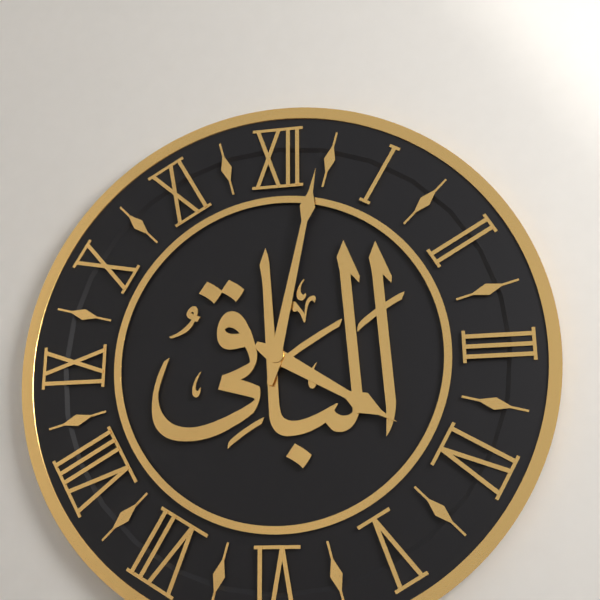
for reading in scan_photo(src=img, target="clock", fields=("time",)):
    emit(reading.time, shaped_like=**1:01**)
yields **4:02**
